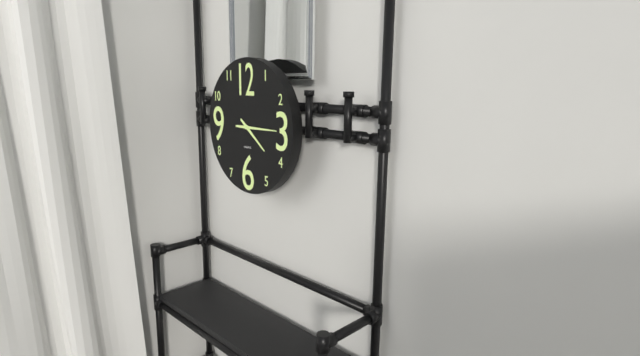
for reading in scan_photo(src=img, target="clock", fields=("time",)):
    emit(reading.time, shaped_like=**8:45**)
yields **4:15**
